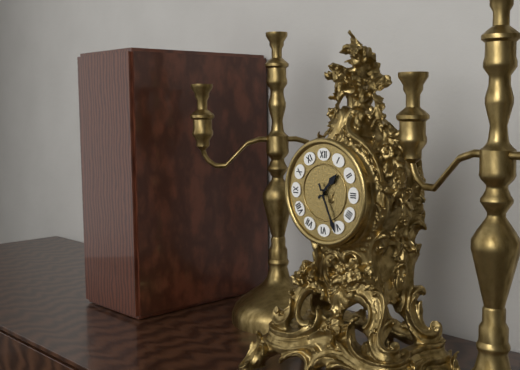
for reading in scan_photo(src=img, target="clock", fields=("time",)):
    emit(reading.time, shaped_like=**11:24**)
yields **1:26**
